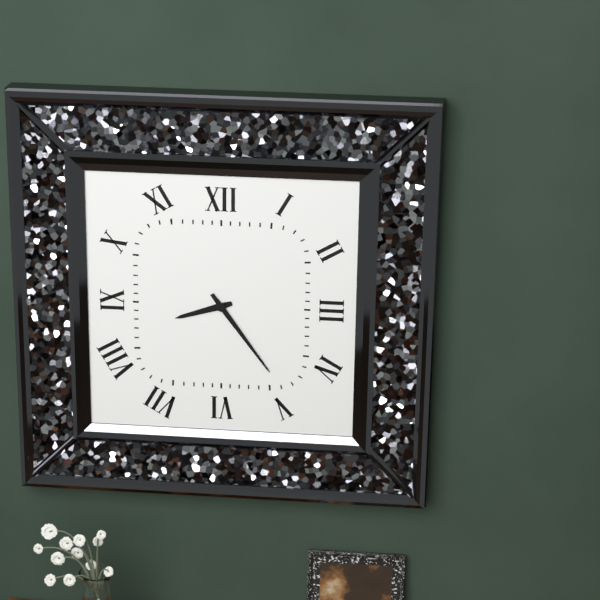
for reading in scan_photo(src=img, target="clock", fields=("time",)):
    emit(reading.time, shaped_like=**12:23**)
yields **8:24**
